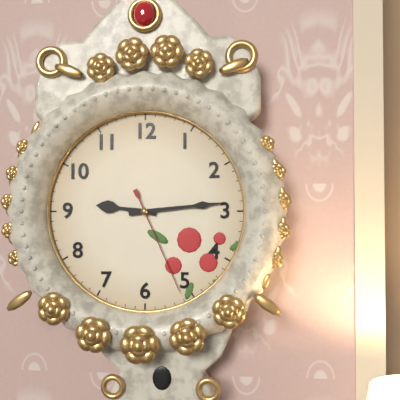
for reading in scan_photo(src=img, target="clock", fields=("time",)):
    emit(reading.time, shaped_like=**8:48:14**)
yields **9:14:26**
